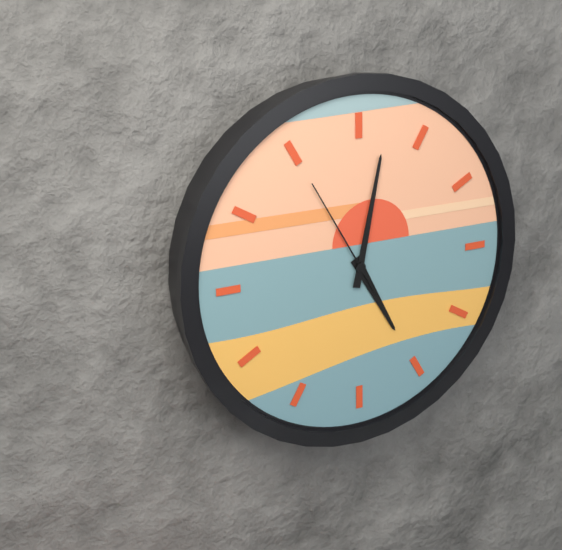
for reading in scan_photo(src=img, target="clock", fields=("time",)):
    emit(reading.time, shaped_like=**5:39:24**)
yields **5:02:55**
